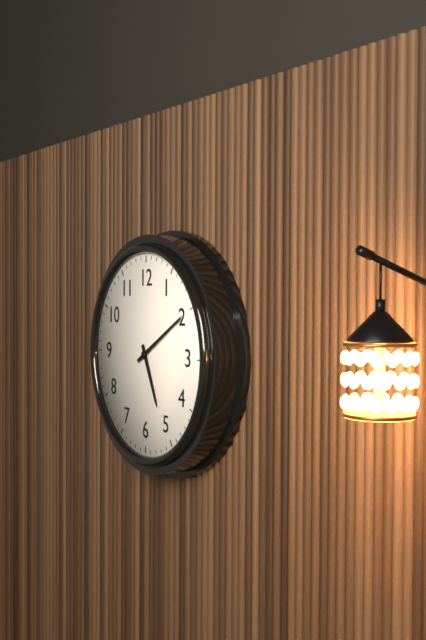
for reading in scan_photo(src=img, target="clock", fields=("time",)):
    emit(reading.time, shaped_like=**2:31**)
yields **5:10**
